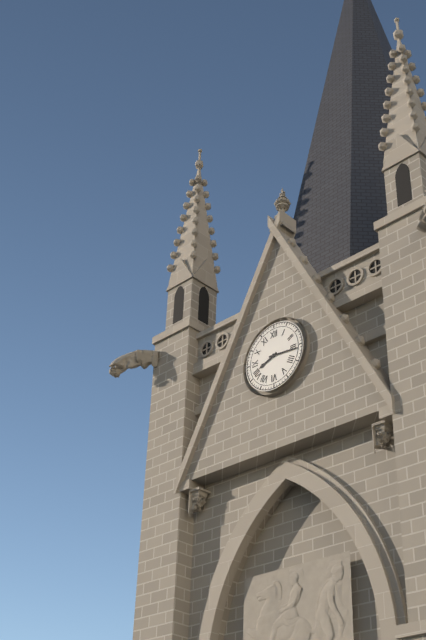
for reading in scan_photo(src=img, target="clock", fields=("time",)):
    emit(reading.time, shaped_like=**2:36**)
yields **8:16**
